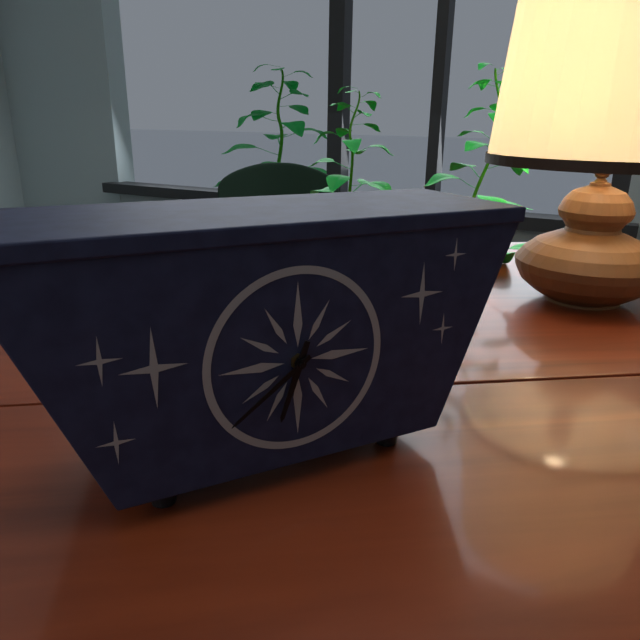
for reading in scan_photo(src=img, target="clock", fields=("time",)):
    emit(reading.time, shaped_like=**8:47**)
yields **6:39**
